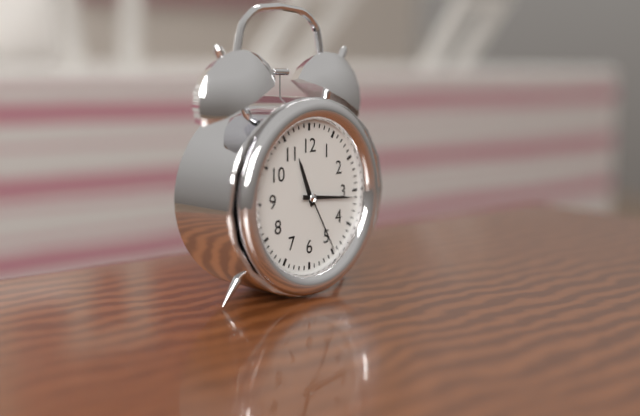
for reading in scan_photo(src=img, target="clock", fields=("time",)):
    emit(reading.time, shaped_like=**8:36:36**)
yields **11:16:25**
